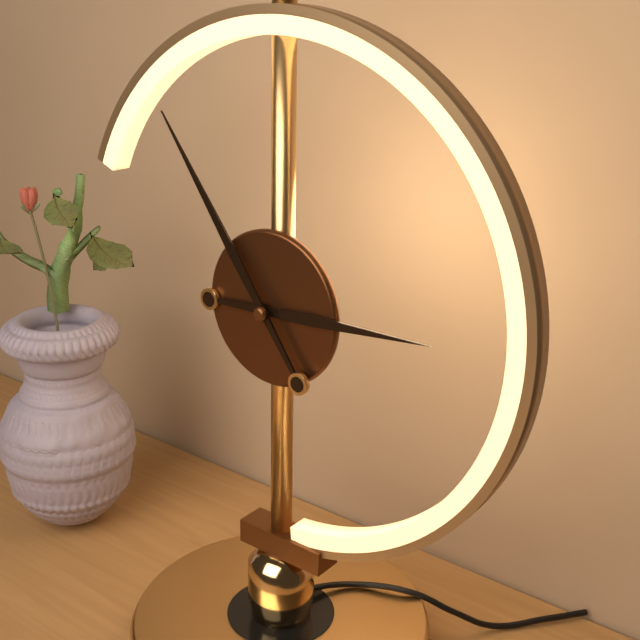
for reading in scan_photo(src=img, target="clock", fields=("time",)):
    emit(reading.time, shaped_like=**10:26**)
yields **2:54**
